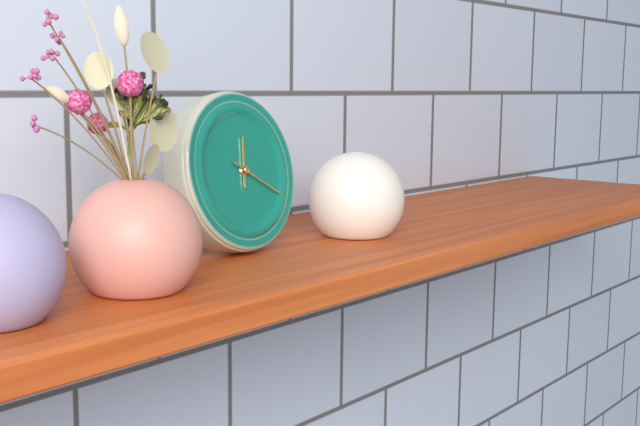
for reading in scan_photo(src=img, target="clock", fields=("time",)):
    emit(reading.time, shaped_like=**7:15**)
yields **12:20**
